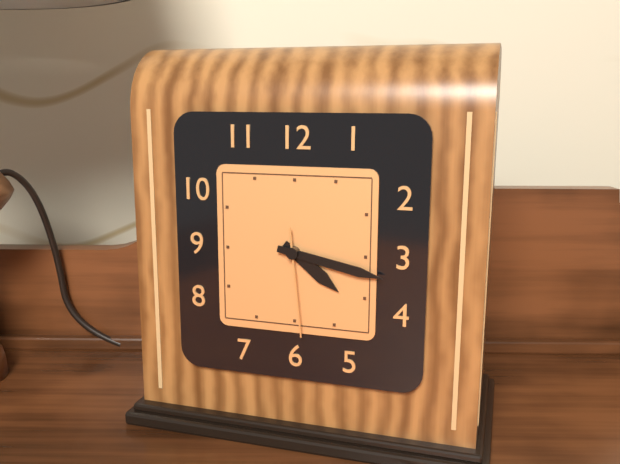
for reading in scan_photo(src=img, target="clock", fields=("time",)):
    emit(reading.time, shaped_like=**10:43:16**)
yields **4:17:29**
